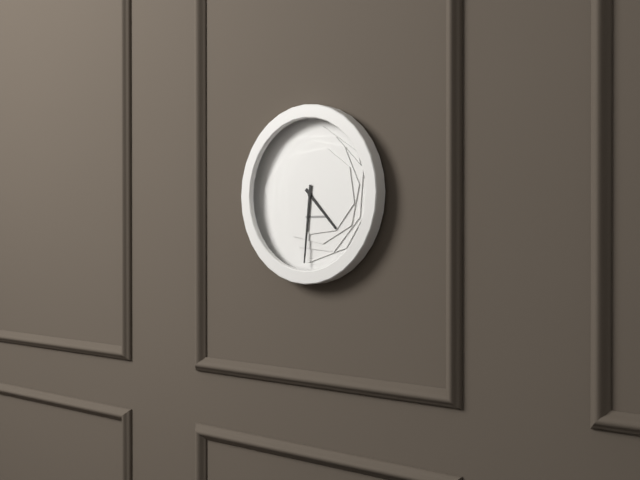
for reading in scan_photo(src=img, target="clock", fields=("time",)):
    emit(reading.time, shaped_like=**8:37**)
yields **4:31**
